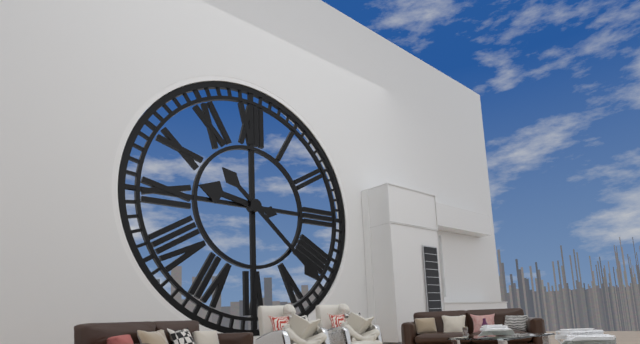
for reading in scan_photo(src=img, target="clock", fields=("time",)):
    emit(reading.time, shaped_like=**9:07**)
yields **9:22**
